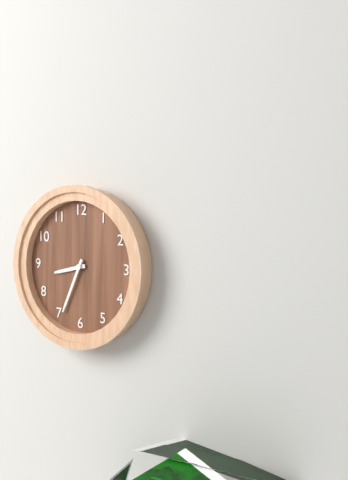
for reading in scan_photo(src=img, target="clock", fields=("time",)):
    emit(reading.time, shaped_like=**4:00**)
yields **8:34**
